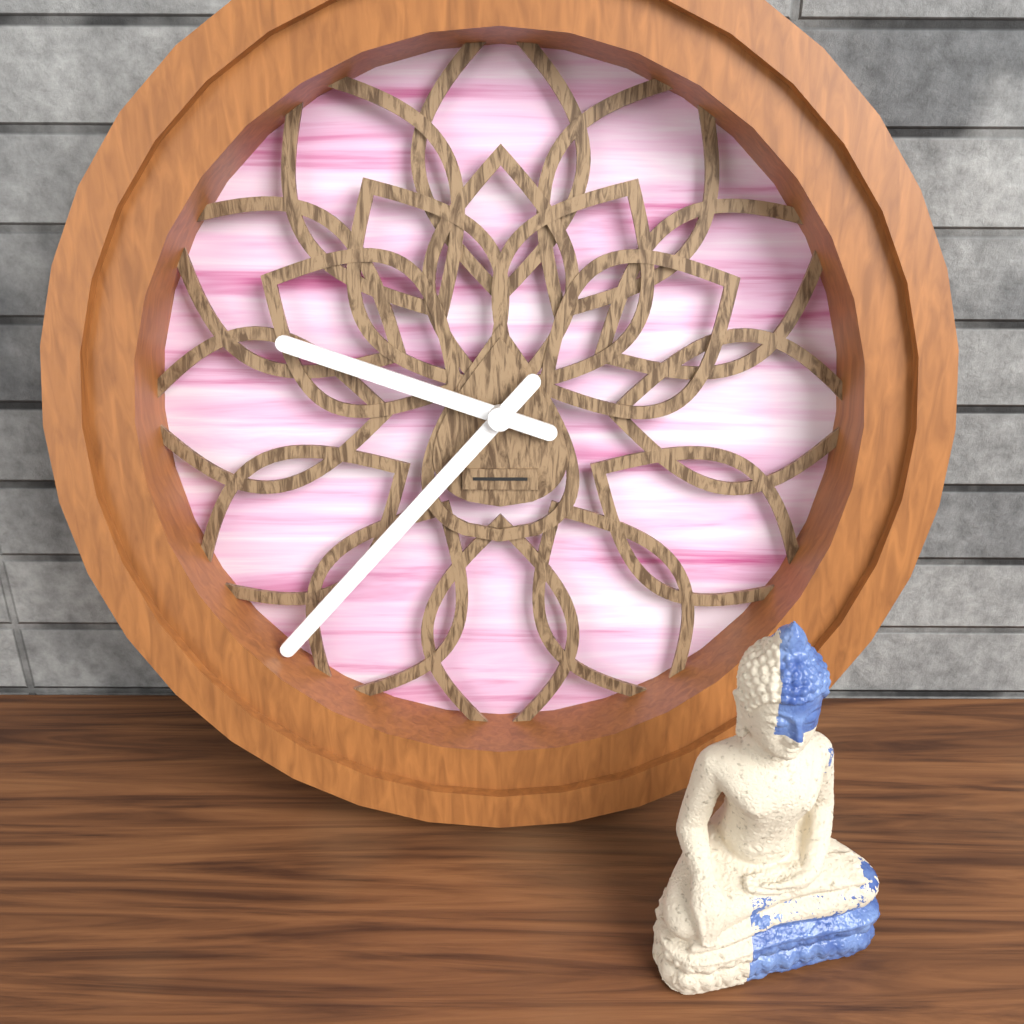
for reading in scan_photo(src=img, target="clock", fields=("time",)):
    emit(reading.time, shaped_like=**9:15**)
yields **9:37**
